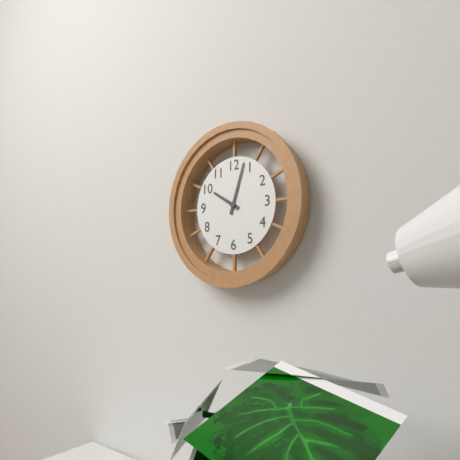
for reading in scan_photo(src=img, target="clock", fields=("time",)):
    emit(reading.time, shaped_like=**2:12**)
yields **10:03**
